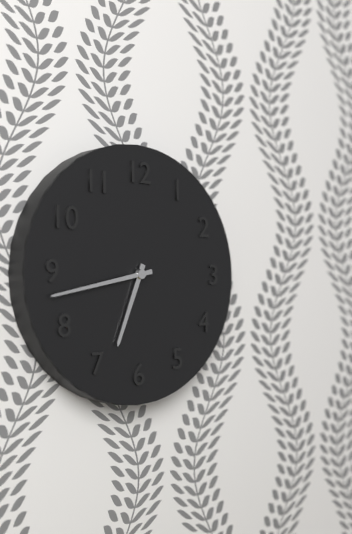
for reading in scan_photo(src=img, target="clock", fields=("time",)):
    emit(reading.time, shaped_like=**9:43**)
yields **6:43**
